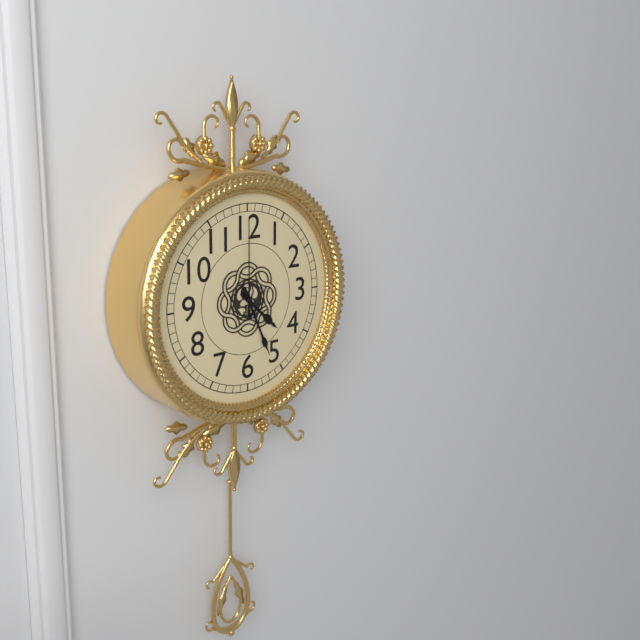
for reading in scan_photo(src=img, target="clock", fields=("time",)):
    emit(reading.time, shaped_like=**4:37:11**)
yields **4:26:00**
